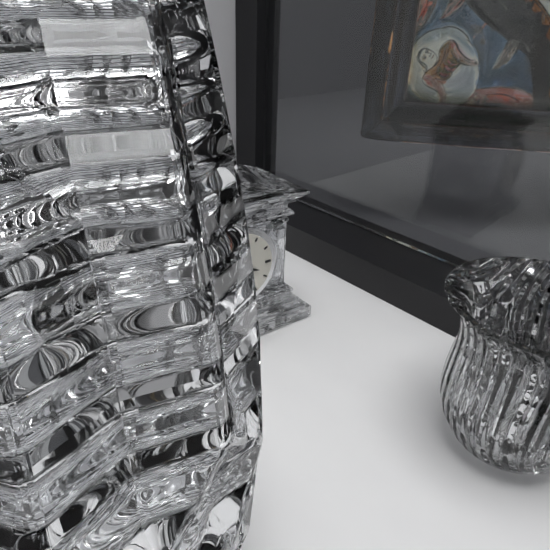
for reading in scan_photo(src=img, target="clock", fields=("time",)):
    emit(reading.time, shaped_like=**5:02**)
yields **3:35**
